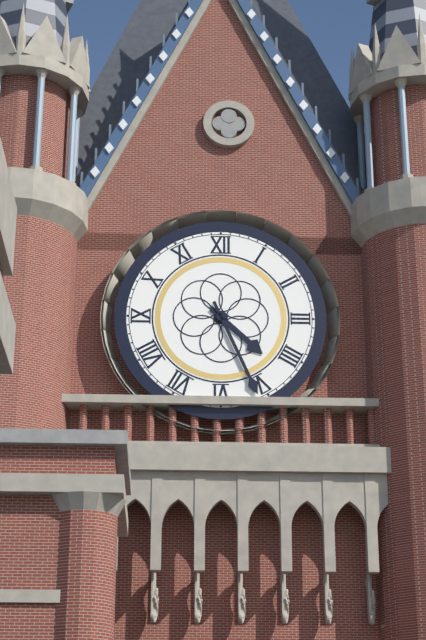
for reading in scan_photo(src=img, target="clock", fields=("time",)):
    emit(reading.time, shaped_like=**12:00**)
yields **4:26**
